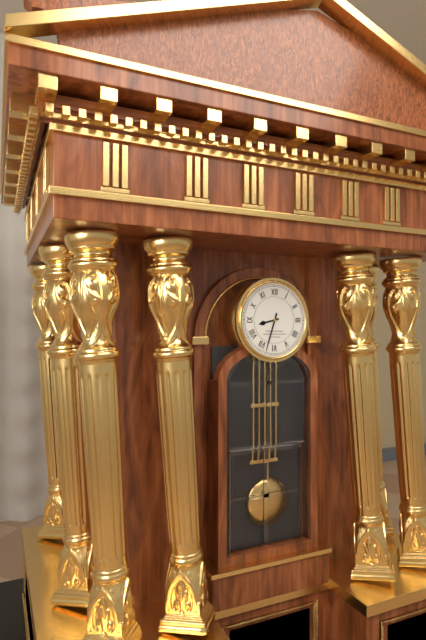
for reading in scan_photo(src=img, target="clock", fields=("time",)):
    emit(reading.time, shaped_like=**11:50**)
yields **8:33**
